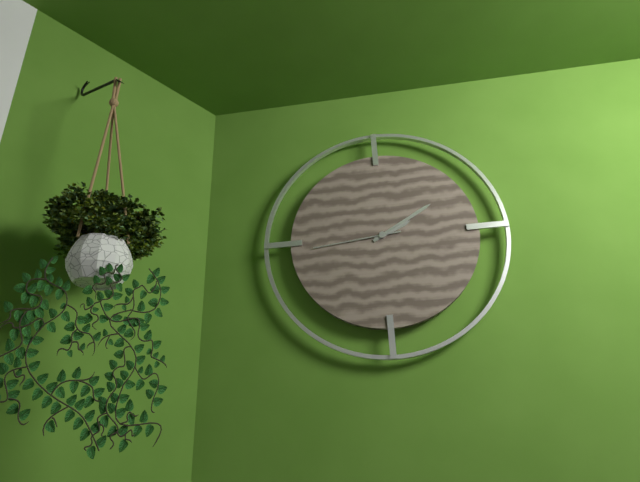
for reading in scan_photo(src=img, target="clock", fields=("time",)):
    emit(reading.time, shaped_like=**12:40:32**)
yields **2:10:44**
